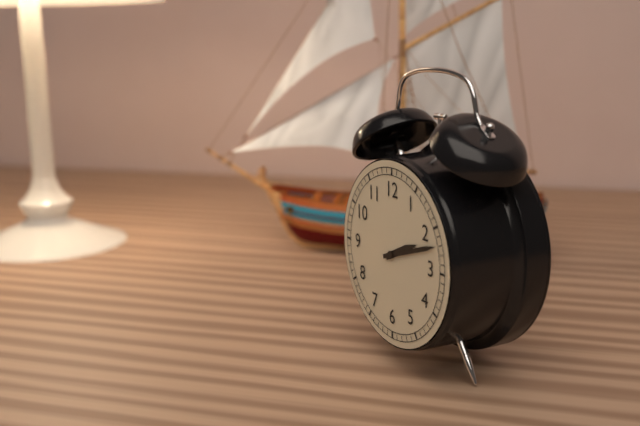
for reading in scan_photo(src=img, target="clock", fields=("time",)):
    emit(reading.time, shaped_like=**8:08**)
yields **2:12**
